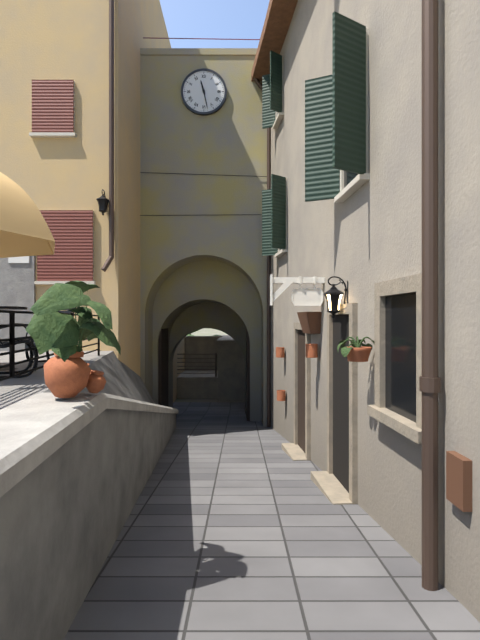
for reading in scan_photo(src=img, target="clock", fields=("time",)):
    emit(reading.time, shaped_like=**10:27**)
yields **11:28**
